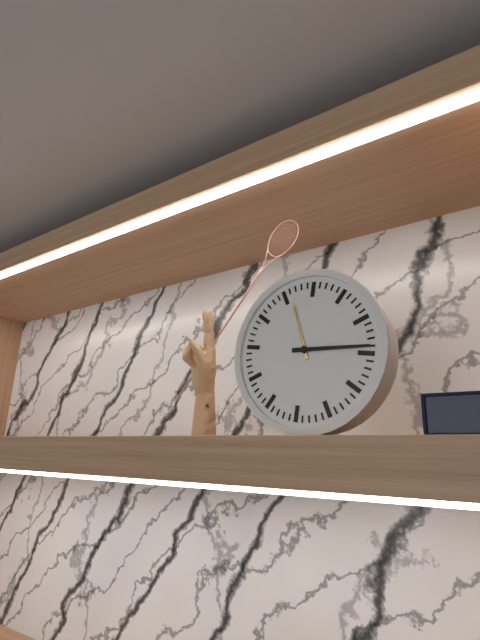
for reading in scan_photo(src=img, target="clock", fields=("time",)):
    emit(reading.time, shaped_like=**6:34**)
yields **11:14**
